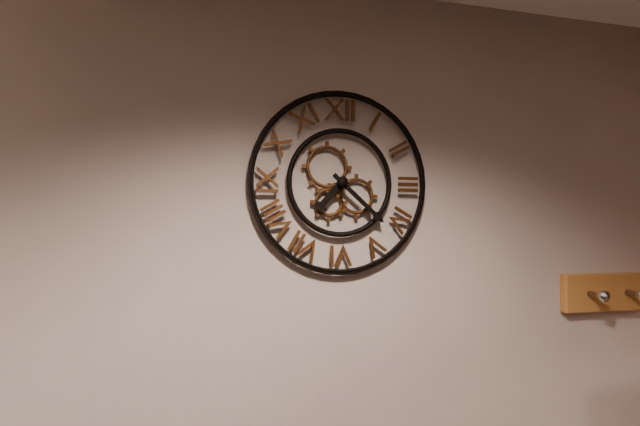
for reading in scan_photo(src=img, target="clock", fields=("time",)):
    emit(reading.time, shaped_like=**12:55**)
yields **7:22**
